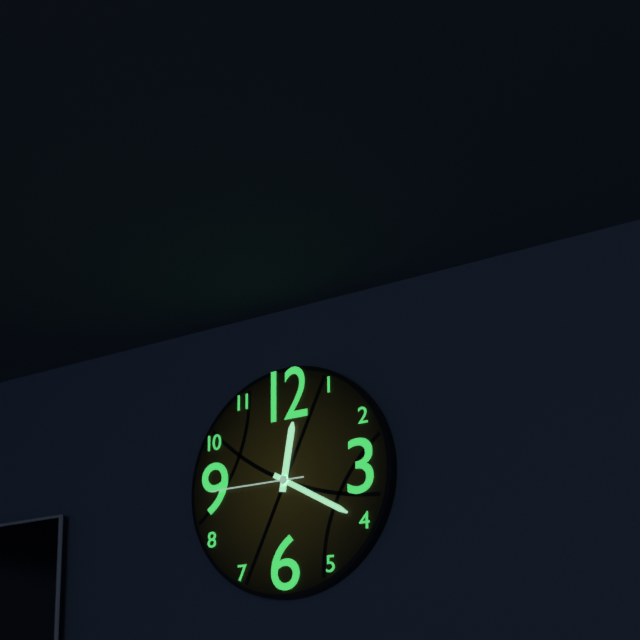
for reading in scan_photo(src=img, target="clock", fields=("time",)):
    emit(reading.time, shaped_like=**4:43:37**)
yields **12:20:45**
